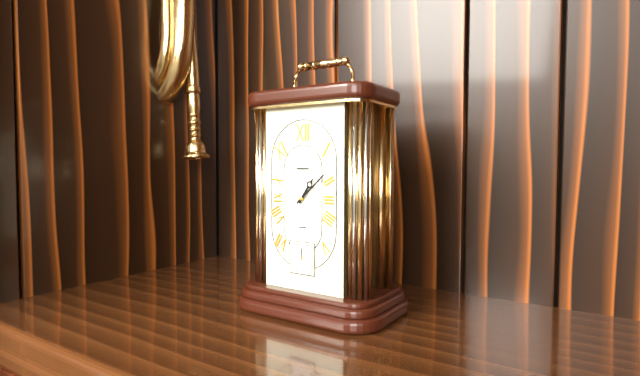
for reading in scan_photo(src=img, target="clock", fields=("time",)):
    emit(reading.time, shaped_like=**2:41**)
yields **1:08**
